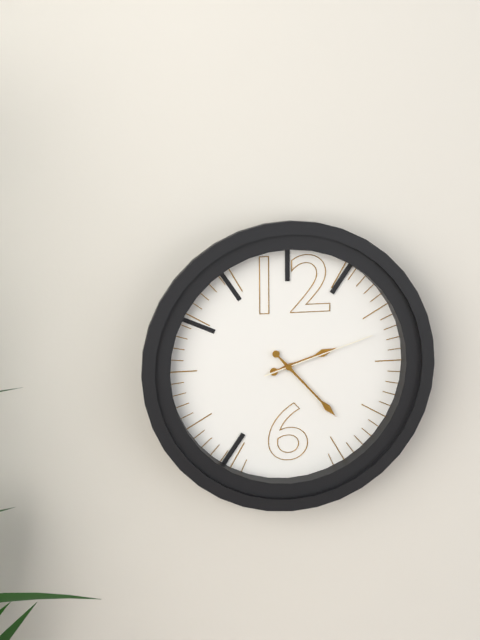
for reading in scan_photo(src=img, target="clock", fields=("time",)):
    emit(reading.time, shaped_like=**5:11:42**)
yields **2:23:12**
